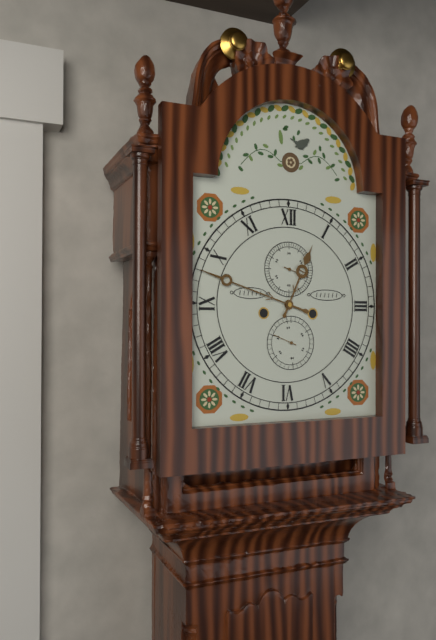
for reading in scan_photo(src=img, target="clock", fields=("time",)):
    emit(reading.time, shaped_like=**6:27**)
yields **12:48**
